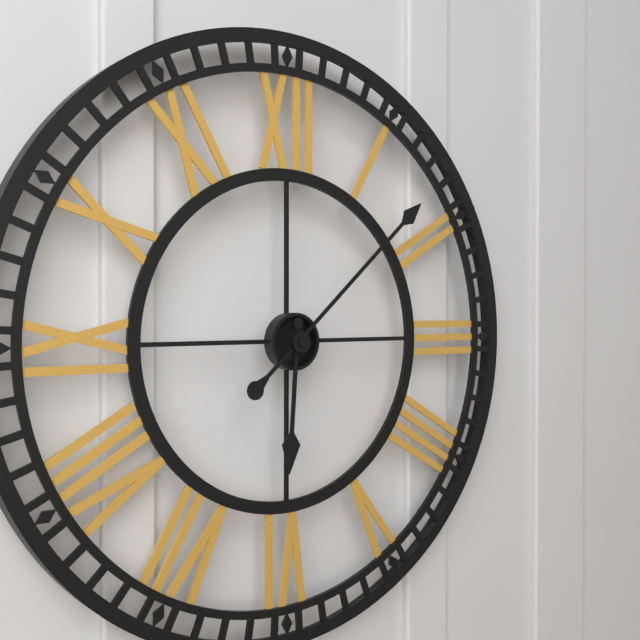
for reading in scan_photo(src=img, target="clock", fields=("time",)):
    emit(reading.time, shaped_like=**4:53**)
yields **6:08**
